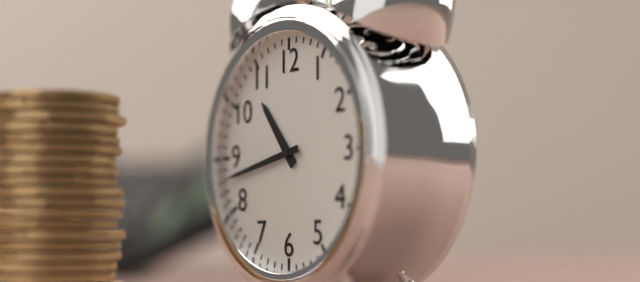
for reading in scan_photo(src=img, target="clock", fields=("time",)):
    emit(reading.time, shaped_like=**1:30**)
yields **10:43**
